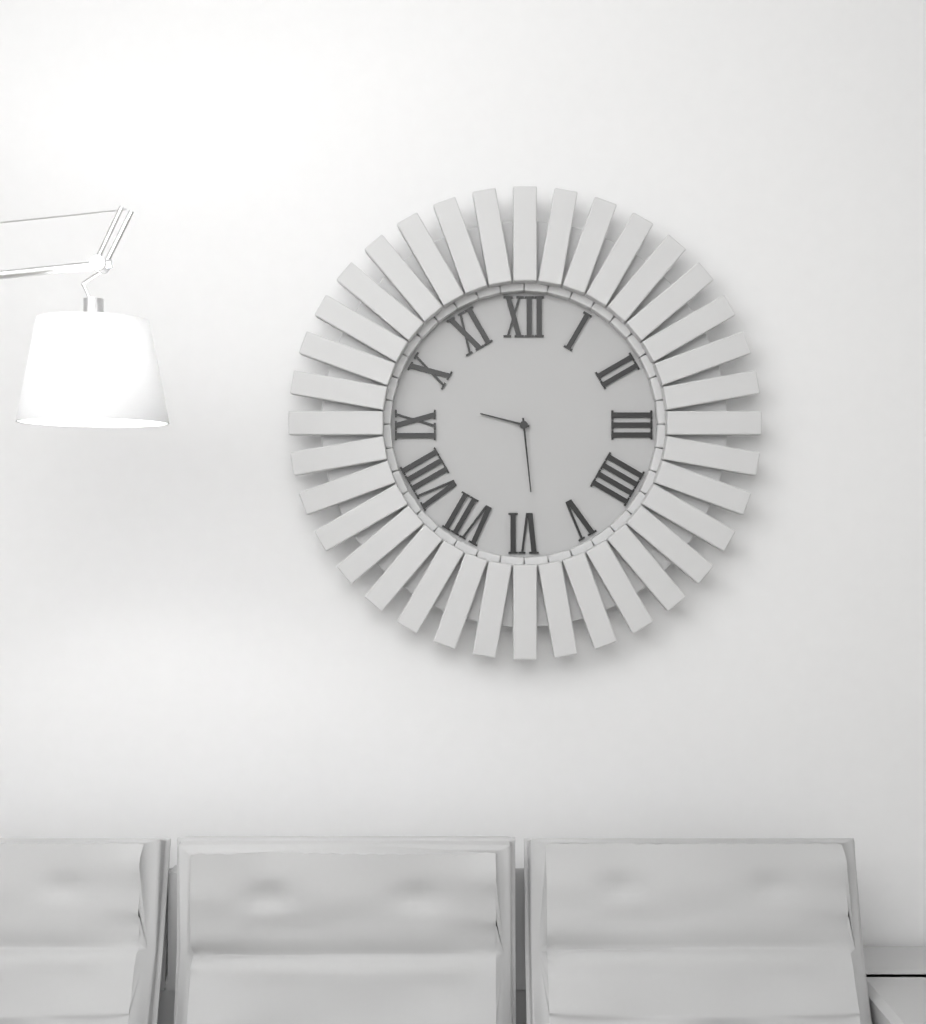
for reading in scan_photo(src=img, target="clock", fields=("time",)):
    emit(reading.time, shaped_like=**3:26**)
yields **9:29**
